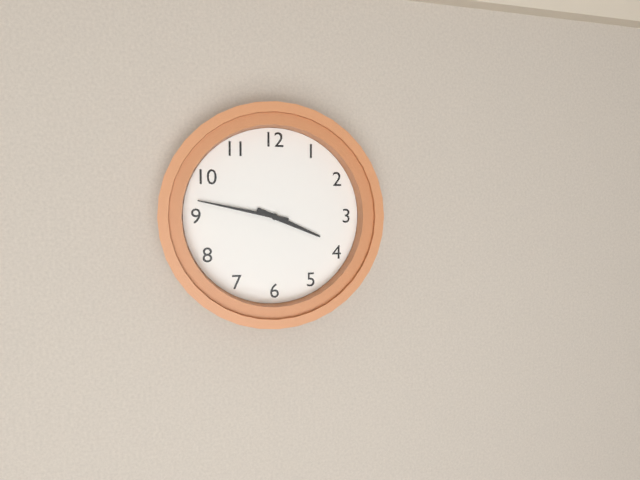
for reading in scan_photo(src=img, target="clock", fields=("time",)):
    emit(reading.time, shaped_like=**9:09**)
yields **3:47**
